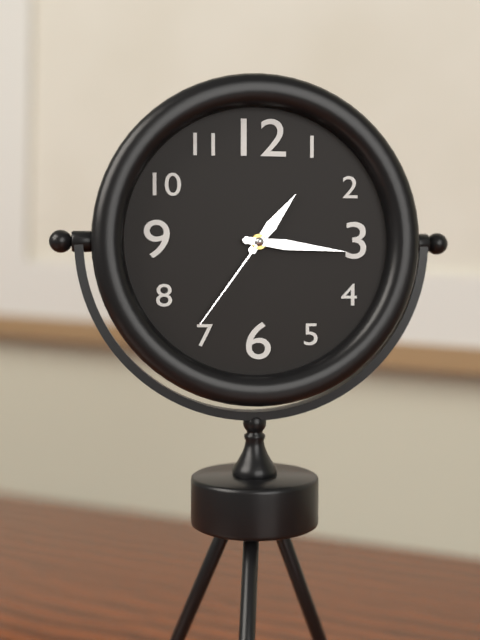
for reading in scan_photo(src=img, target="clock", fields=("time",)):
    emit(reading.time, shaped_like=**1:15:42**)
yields **1:16:36**
